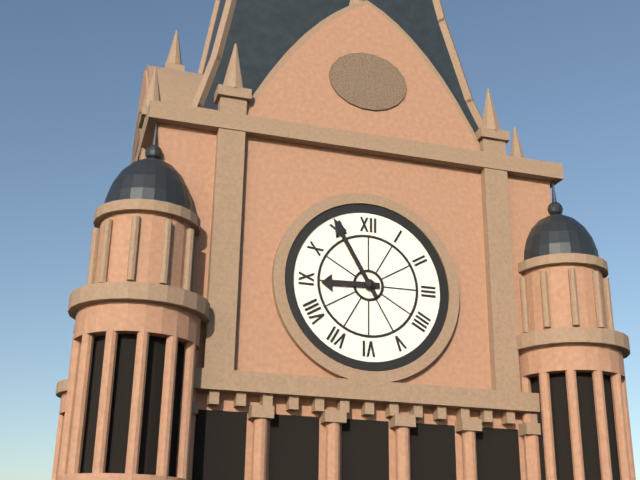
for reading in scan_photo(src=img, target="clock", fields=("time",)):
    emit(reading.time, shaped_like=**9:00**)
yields **8:55**
